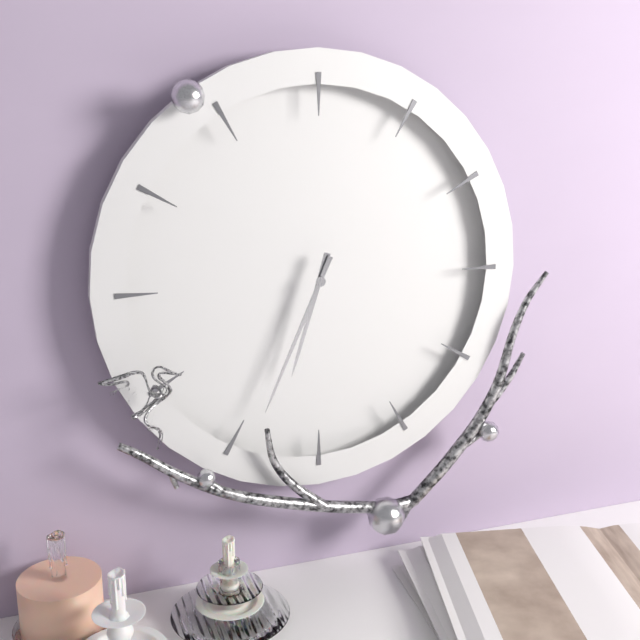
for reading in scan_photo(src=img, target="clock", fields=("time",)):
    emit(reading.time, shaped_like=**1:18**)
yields **6:34**
